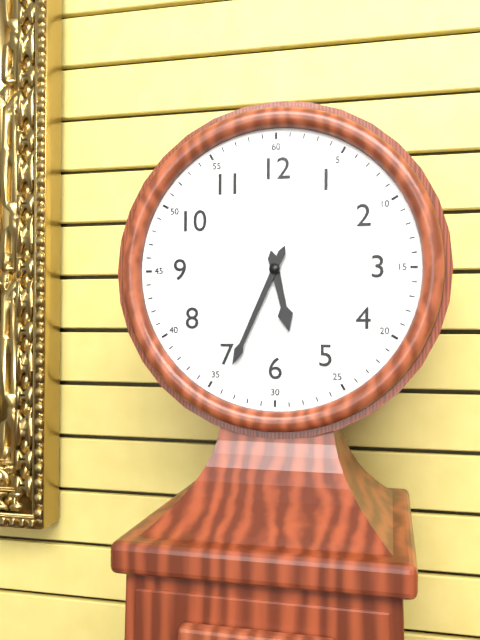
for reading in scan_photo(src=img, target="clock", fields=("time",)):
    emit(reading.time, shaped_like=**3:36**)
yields **5:34**
